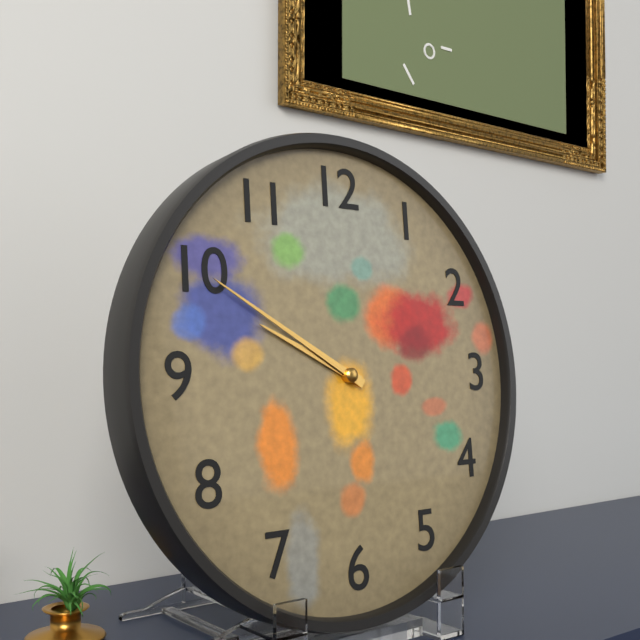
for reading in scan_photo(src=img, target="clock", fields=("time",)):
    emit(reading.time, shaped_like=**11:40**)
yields **9:50**
